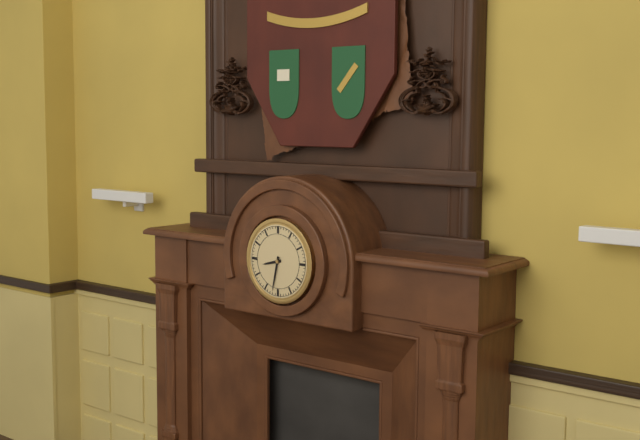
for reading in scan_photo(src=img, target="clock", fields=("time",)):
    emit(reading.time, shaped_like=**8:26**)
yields **8:32**
